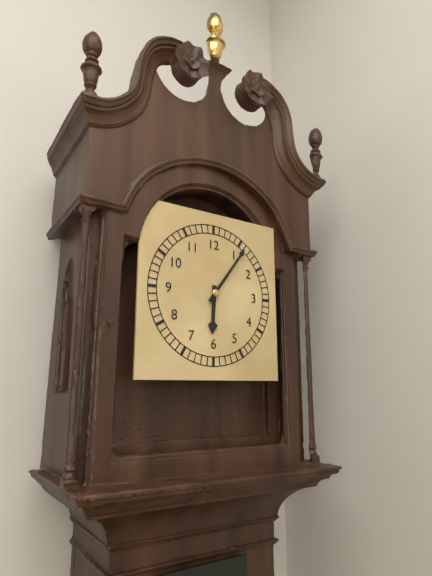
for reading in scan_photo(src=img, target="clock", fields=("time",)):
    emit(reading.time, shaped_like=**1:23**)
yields **6:06**
